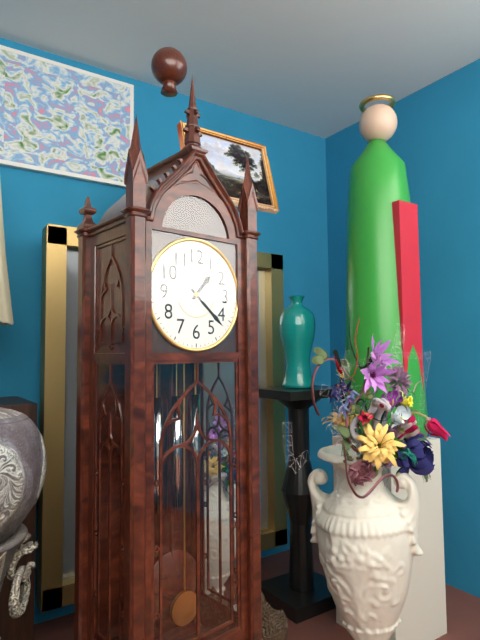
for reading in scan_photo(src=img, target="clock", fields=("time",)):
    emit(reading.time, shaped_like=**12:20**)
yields **1:22**
